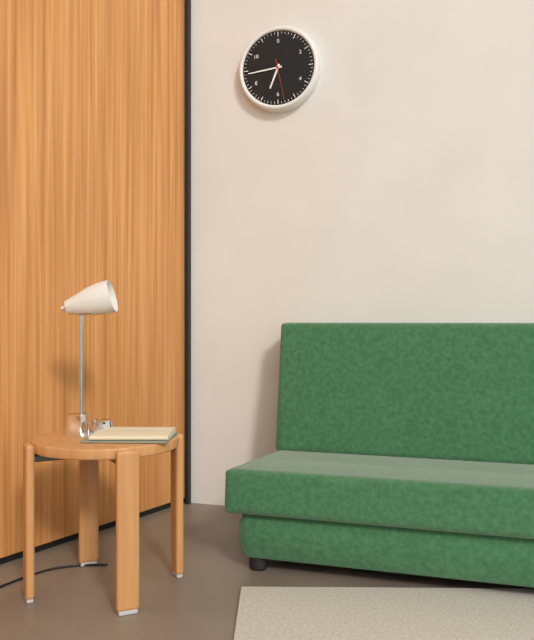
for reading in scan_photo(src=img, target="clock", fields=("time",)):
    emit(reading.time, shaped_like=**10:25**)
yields **6:44**
